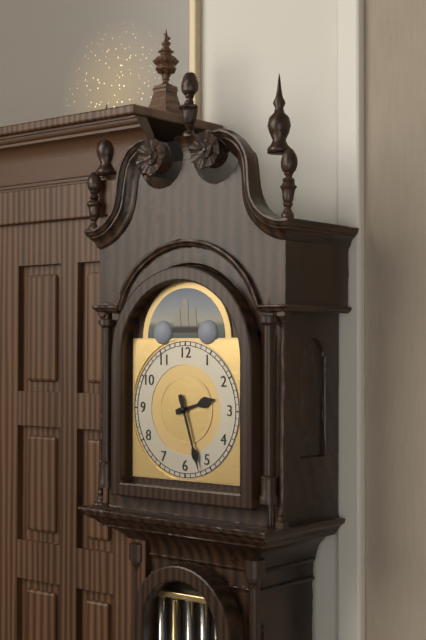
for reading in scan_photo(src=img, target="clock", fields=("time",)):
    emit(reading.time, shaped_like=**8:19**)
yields **2:27**
